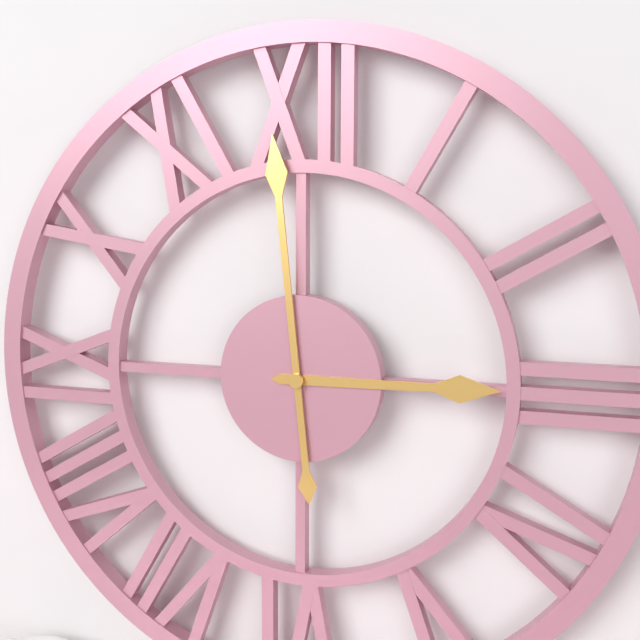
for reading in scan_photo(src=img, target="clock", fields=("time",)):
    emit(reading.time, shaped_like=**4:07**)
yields **2:59**
